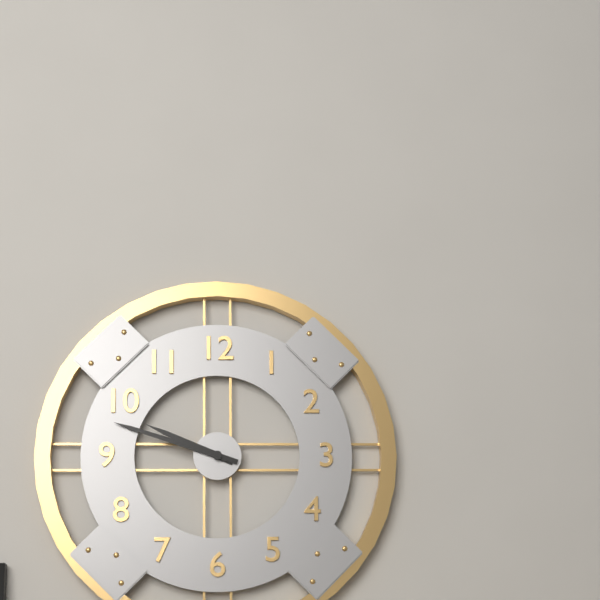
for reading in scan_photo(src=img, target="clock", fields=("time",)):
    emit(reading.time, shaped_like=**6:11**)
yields **9:48**
